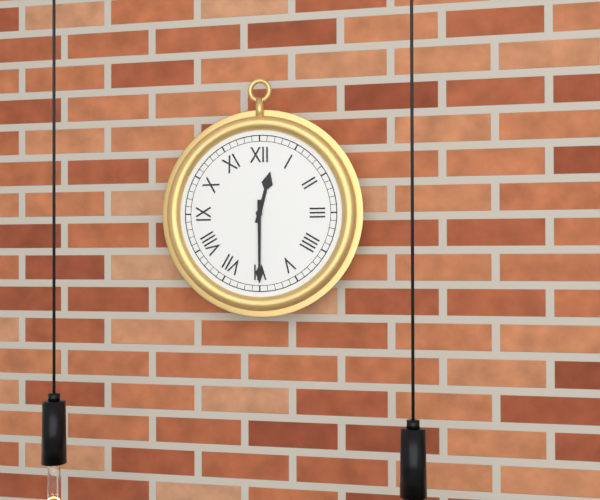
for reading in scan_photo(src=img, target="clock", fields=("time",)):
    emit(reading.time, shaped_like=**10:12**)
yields **12:30**
